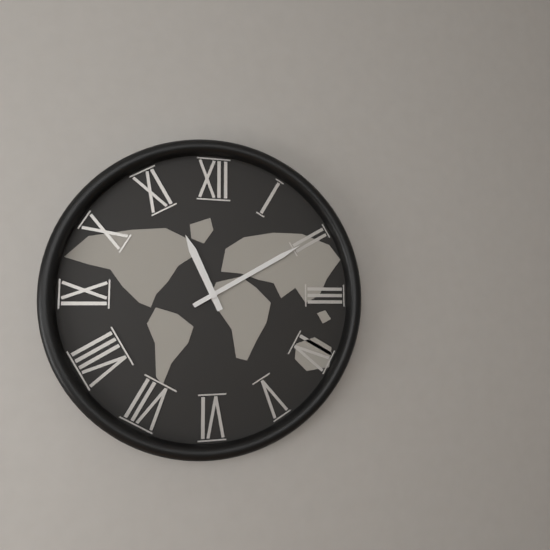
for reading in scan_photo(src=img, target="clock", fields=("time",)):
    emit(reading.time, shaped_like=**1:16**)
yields **11:10**
